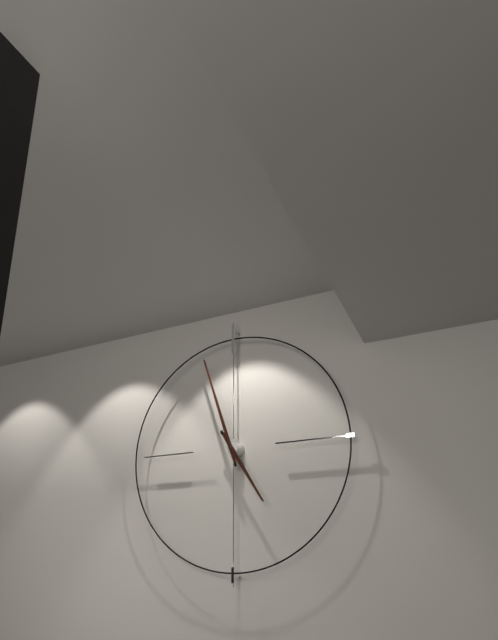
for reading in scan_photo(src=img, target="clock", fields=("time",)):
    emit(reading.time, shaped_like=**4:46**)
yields **4:57**
